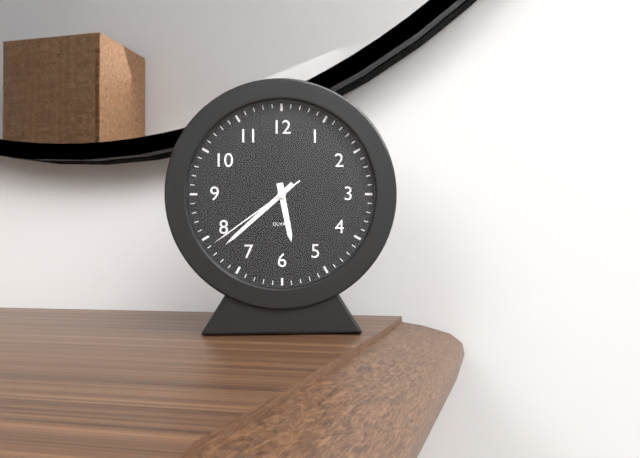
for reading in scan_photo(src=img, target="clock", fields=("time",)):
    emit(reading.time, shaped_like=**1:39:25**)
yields **5:38:39**
